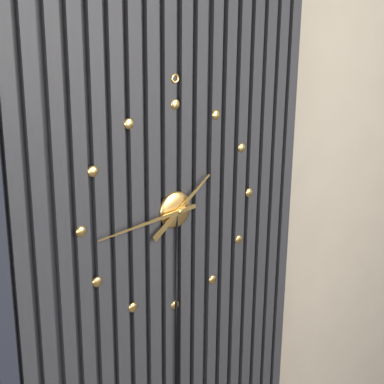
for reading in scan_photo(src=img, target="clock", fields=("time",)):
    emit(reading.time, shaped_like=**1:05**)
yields **1:44**
